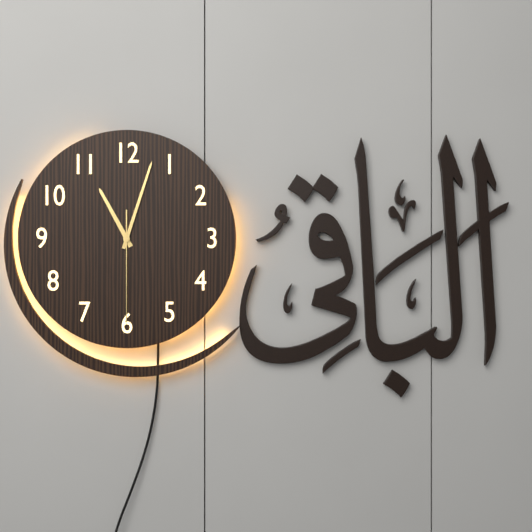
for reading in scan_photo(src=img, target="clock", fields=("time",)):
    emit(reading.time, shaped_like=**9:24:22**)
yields **11:03:30**
